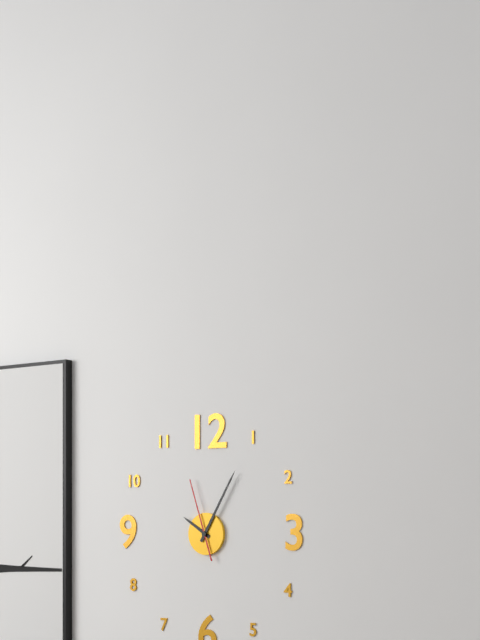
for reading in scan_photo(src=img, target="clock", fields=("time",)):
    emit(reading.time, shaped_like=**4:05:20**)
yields **10:05:57**
